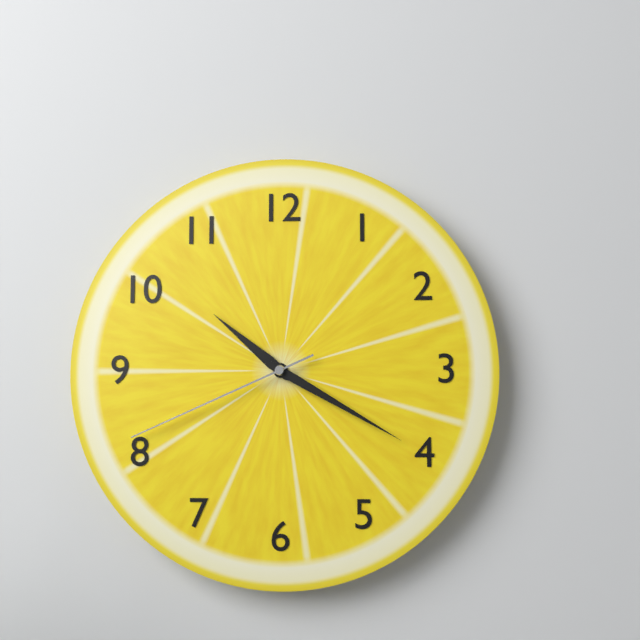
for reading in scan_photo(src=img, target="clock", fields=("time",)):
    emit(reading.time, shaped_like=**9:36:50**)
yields **10:20:41**
